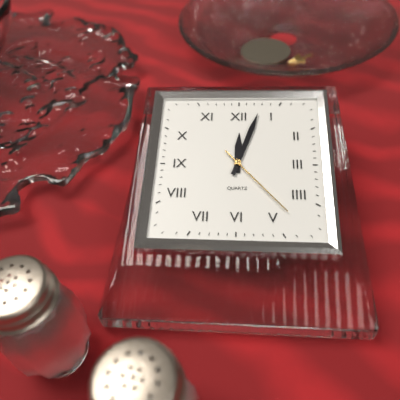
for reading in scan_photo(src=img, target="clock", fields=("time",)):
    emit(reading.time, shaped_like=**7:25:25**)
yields **12:03:23**
